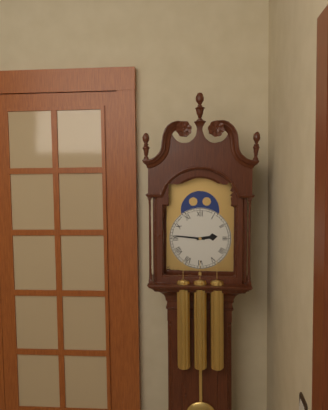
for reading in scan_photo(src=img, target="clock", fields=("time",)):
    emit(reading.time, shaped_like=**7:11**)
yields **2:46**
